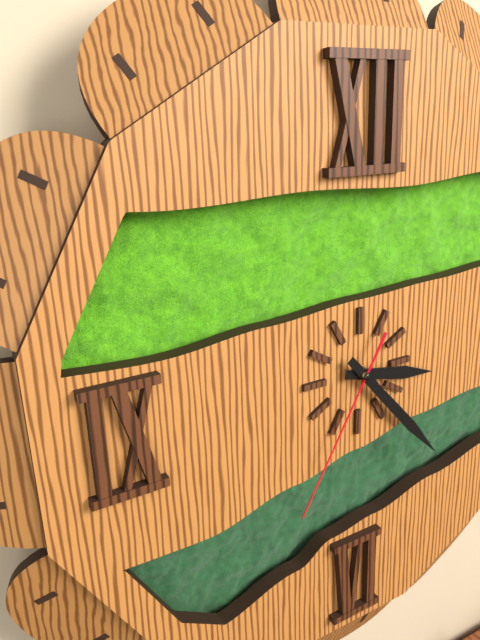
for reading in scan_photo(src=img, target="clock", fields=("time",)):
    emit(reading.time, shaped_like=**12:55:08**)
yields **3:23:35**
